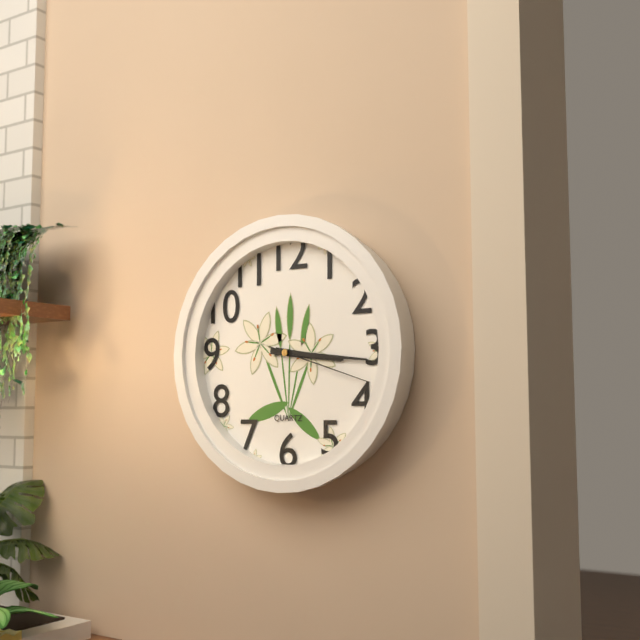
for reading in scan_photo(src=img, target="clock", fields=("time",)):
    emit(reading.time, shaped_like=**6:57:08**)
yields **3:16:18**
